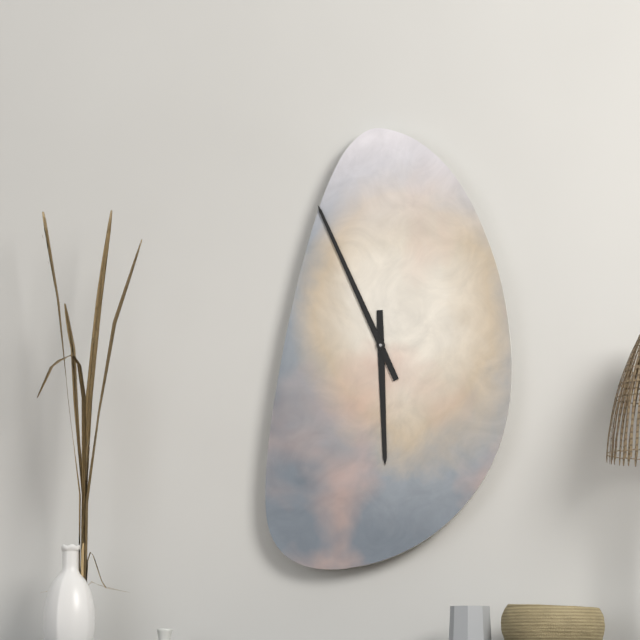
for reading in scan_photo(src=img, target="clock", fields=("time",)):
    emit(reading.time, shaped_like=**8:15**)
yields **5:56**
